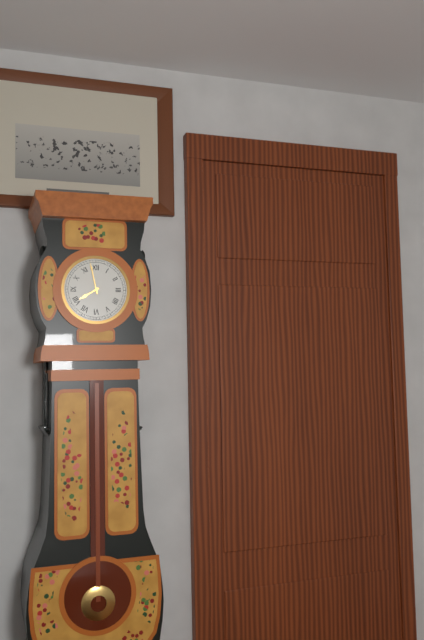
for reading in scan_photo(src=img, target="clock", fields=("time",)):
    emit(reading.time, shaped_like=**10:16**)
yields **7:58**
